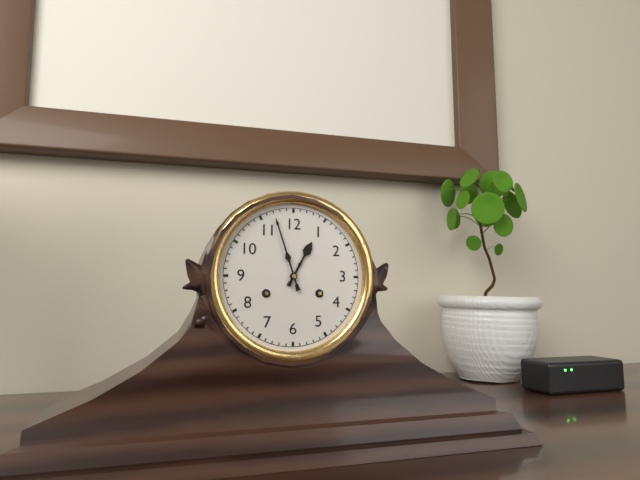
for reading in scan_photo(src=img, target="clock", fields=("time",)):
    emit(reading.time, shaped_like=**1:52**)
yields **12:57**
